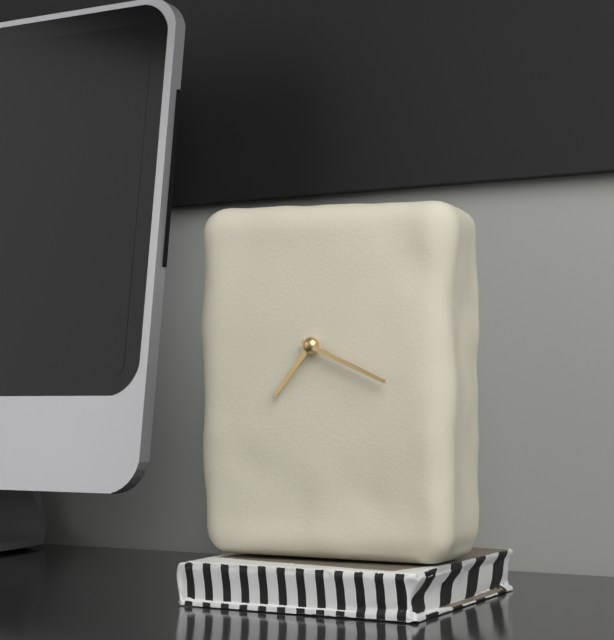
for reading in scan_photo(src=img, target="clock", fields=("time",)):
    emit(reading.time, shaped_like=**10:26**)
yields **7:19**
